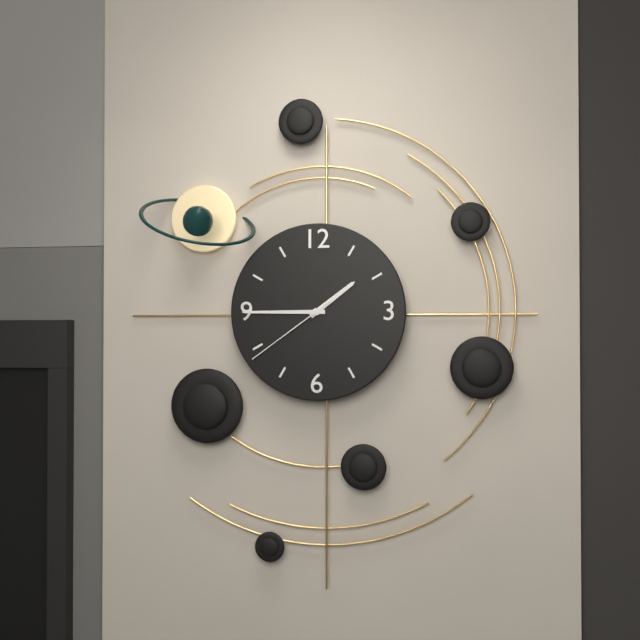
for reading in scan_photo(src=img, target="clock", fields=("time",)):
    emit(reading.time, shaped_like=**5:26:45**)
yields **1:45:39**
